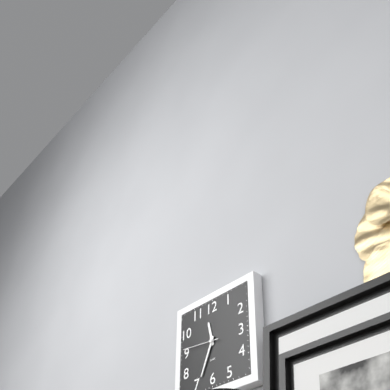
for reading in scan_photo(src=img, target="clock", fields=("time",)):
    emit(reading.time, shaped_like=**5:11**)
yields **11:34**
